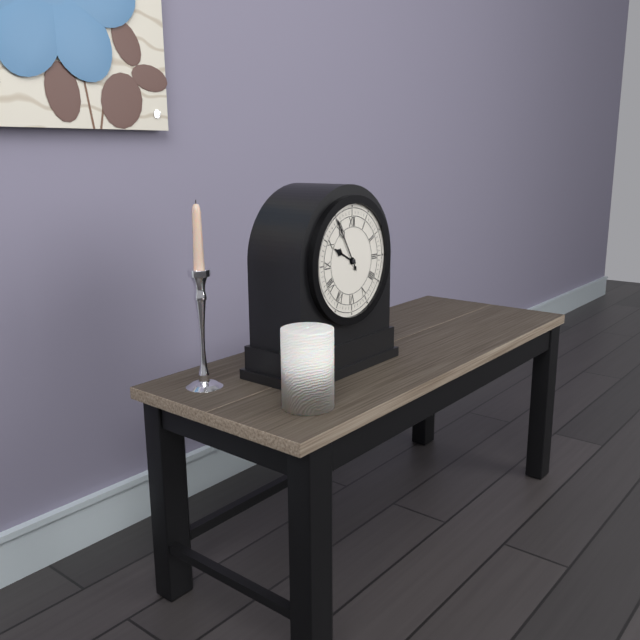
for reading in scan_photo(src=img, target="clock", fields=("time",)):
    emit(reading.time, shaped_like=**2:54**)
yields **9:55**
